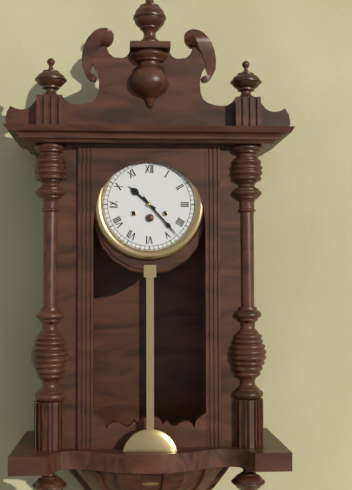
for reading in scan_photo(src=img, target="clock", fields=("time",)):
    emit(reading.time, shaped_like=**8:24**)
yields **10:23**
